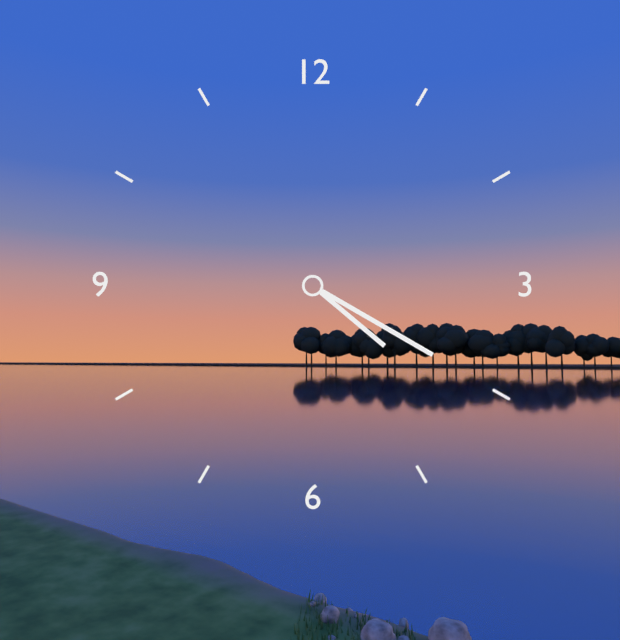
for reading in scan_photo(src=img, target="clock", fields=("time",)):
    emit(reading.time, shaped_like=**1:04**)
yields **4:20**
